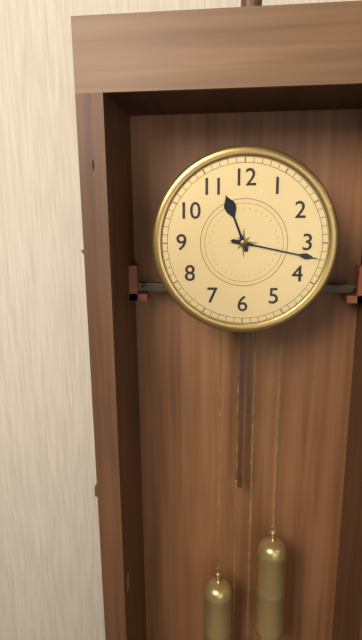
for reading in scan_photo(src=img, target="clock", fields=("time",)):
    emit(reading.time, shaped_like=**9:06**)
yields **11:17**
